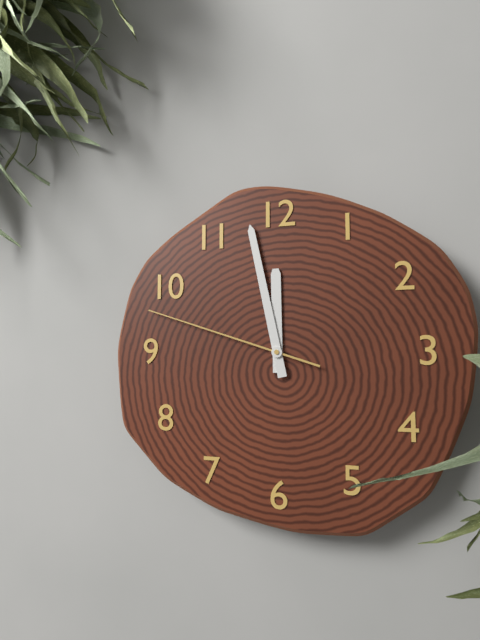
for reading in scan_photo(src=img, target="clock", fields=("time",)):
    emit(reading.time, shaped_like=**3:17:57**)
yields **11:58:48**
